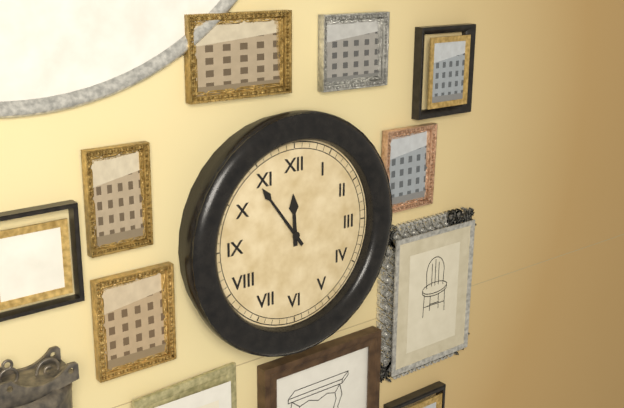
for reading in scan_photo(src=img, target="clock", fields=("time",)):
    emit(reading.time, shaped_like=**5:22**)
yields **11:54**
